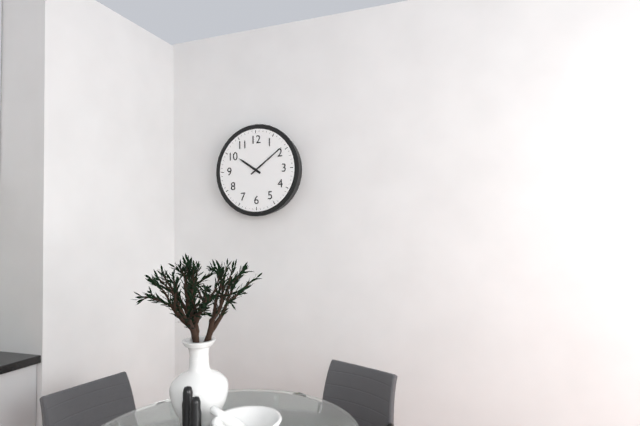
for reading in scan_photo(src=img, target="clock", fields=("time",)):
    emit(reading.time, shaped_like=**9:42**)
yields **10:09**
